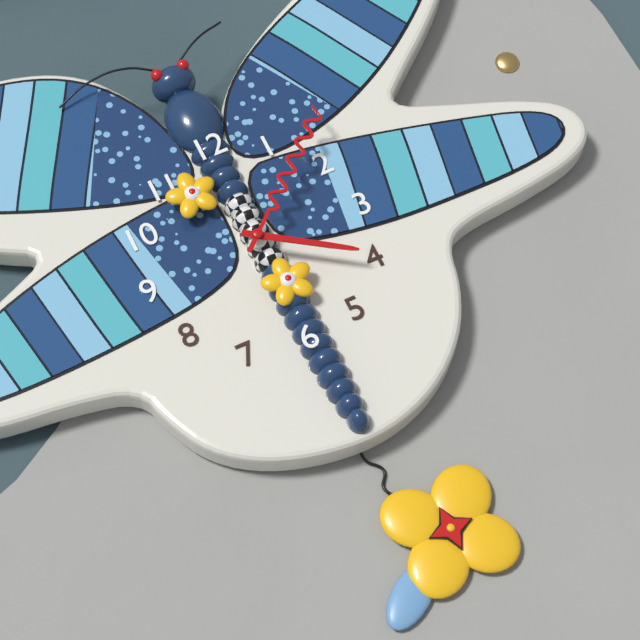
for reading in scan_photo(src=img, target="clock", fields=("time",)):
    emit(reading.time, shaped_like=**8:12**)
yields **4:08**
